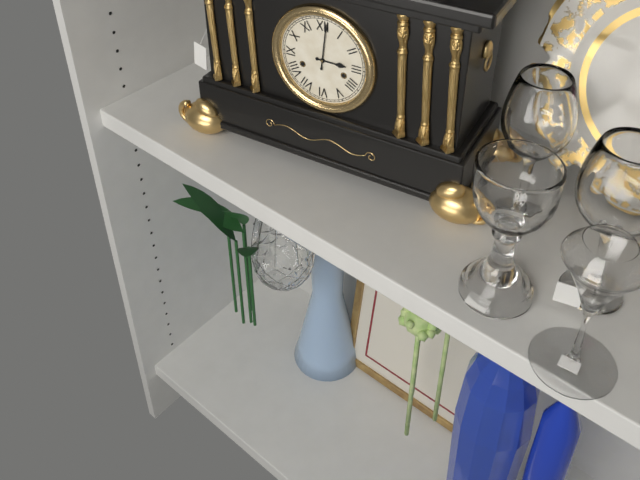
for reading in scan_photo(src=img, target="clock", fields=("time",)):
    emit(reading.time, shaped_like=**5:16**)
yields **3:01**
